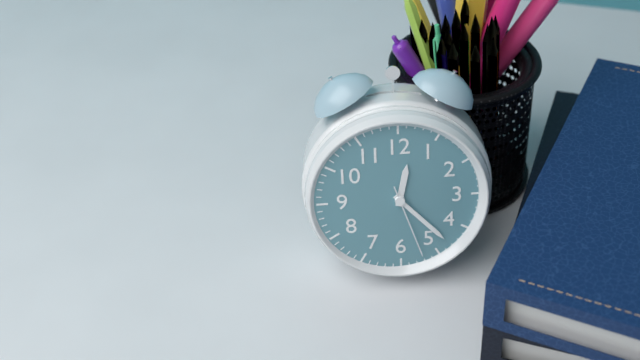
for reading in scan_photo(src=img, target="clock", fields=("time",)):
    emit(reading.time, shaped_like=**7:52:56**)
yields **12:23:27**
